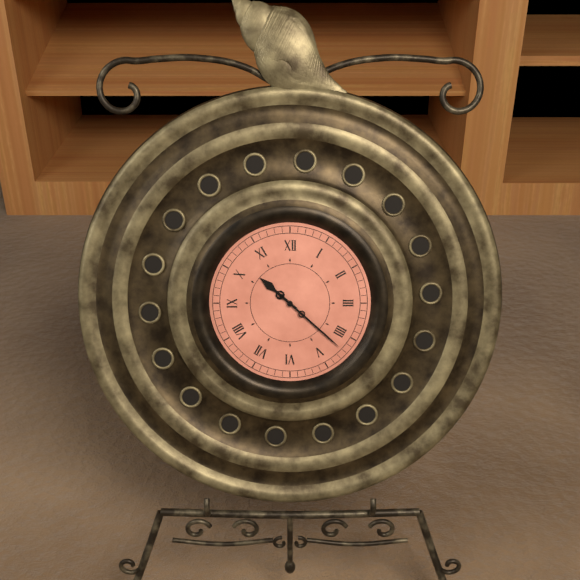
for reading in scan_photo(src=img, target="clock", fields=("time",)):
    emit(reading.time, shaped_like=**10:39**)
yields **10:22**
